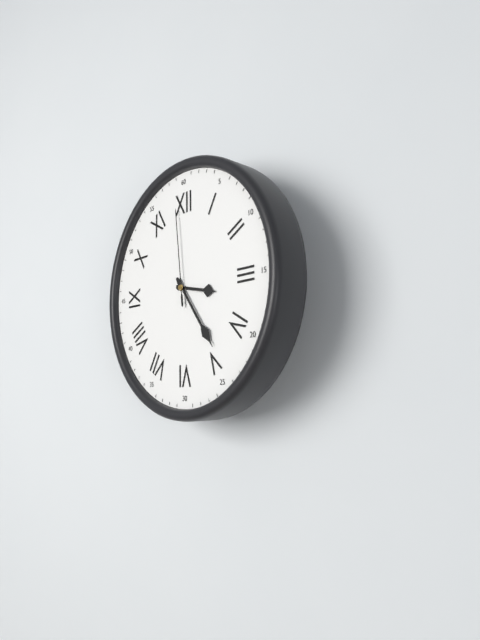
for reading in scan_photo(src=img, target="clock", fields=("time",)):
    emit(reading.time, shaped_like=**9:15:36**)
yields **3:24:59**
